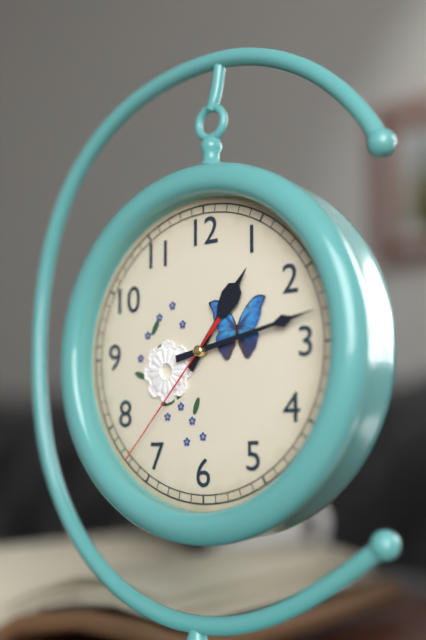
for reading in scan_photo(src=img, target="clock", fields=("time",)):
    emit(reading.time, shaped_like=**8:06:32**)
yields **1:13:37**
